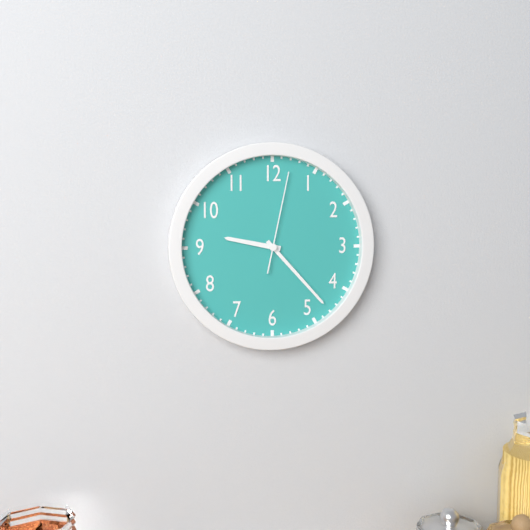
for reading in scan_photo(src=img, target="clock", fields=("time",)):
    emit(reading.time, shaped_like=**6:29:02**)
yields **9:23:02**
